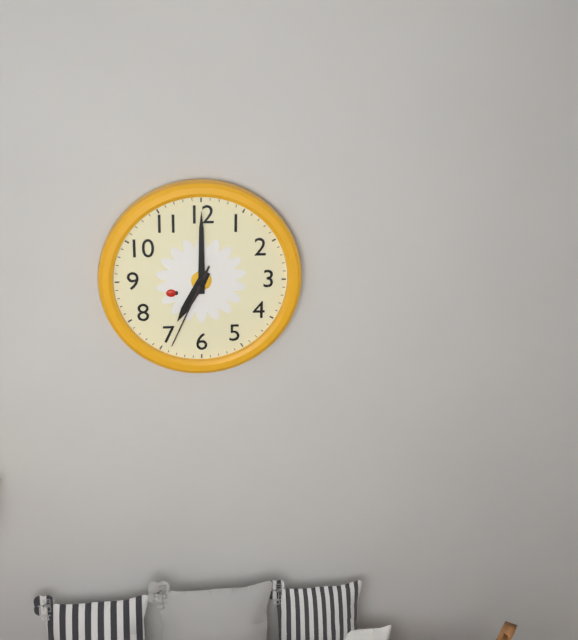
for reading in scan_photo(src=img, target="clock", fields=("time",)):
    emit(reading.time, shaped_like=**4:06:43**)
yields **7:00:34**
